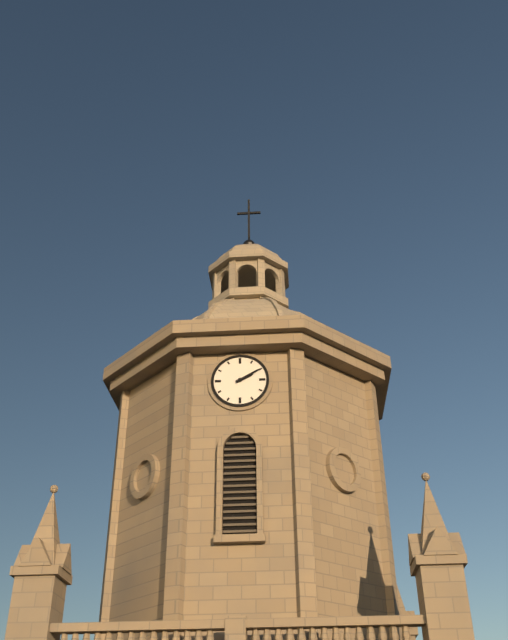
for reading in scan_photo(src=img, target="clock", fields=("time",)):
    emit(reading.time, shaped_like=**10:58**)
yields **2:10**
